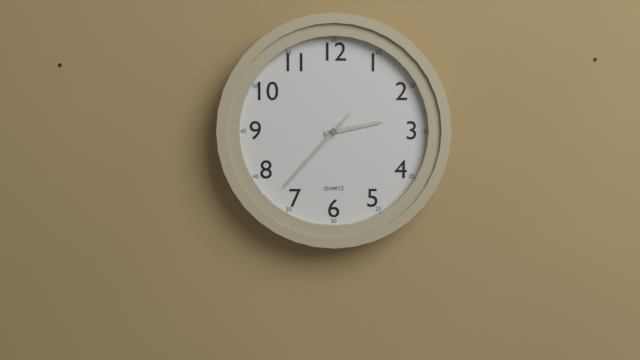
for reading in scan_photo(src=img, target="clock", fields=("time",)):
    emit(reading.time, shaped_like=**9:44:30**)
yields **2:37:37**
